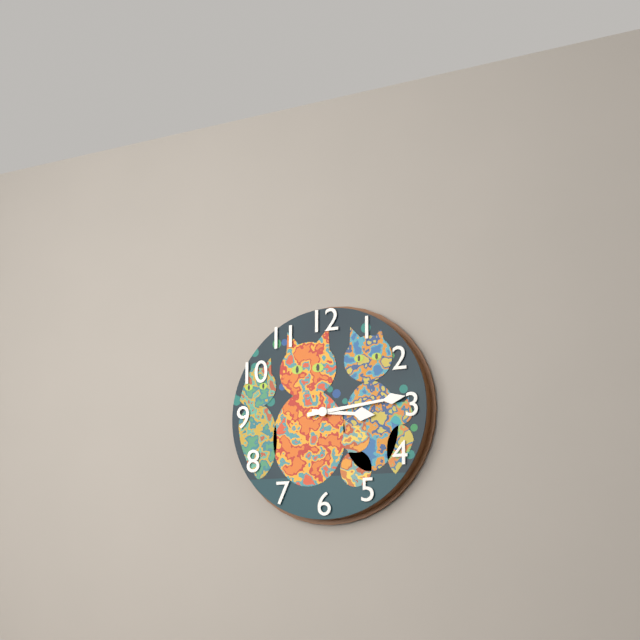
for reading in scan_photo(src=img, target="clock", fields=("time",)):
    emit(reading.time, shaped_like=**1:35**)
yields **3:14**
